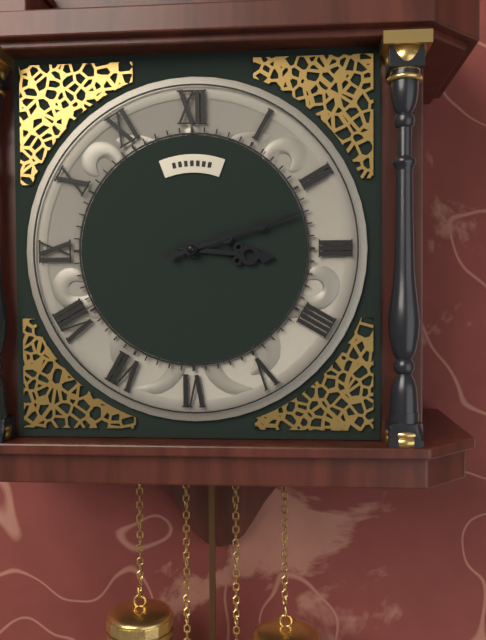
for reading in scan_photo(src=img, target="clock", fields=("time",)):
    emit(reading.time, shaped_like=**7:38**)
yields **3:12**
